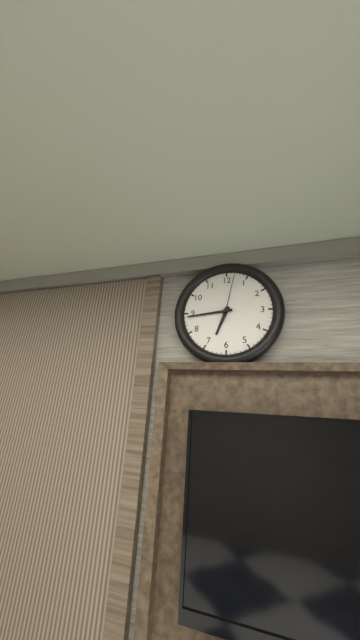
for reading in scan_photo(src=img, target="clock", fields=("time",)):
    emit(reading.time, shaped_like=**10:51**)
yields **6:44**
